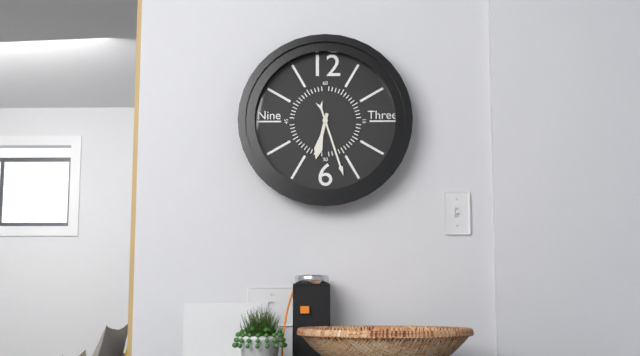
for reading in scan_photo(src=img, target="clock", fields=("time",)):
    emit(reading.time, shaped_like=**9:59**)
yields **6:27**
